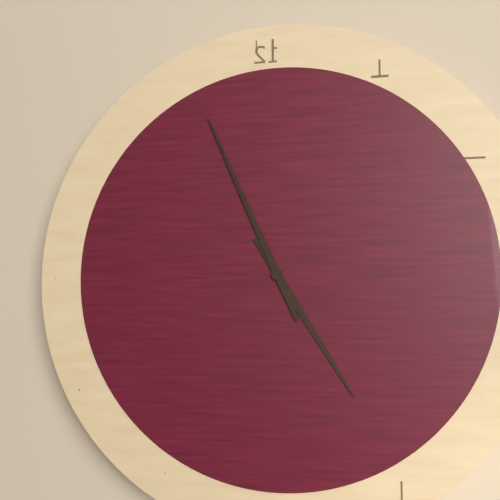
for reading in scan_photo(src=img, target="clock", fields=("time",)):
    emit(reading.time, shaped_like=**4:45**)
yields **4:56**
